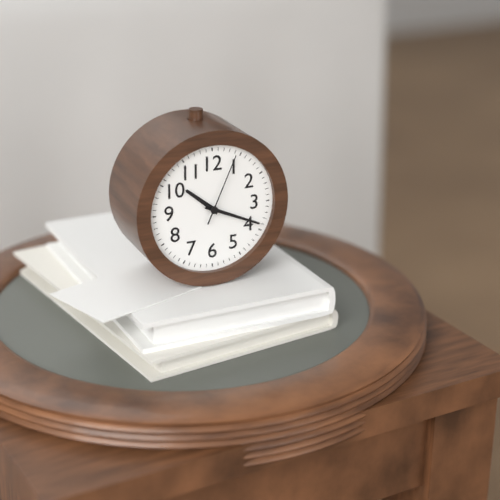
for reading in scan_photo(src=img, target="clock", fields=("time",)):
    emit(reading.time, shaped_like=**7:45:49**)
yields **10:19:04**
